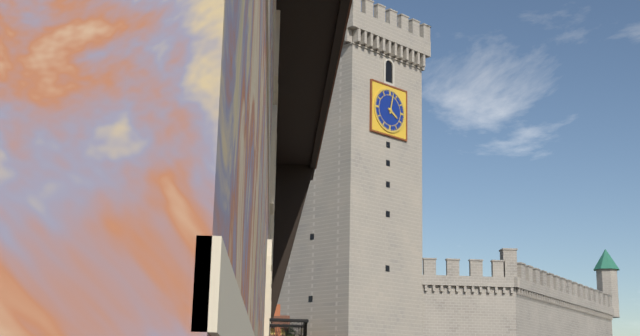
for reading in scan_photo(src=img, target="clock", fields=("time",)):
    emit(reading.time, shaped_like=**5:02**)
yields **4:02**
